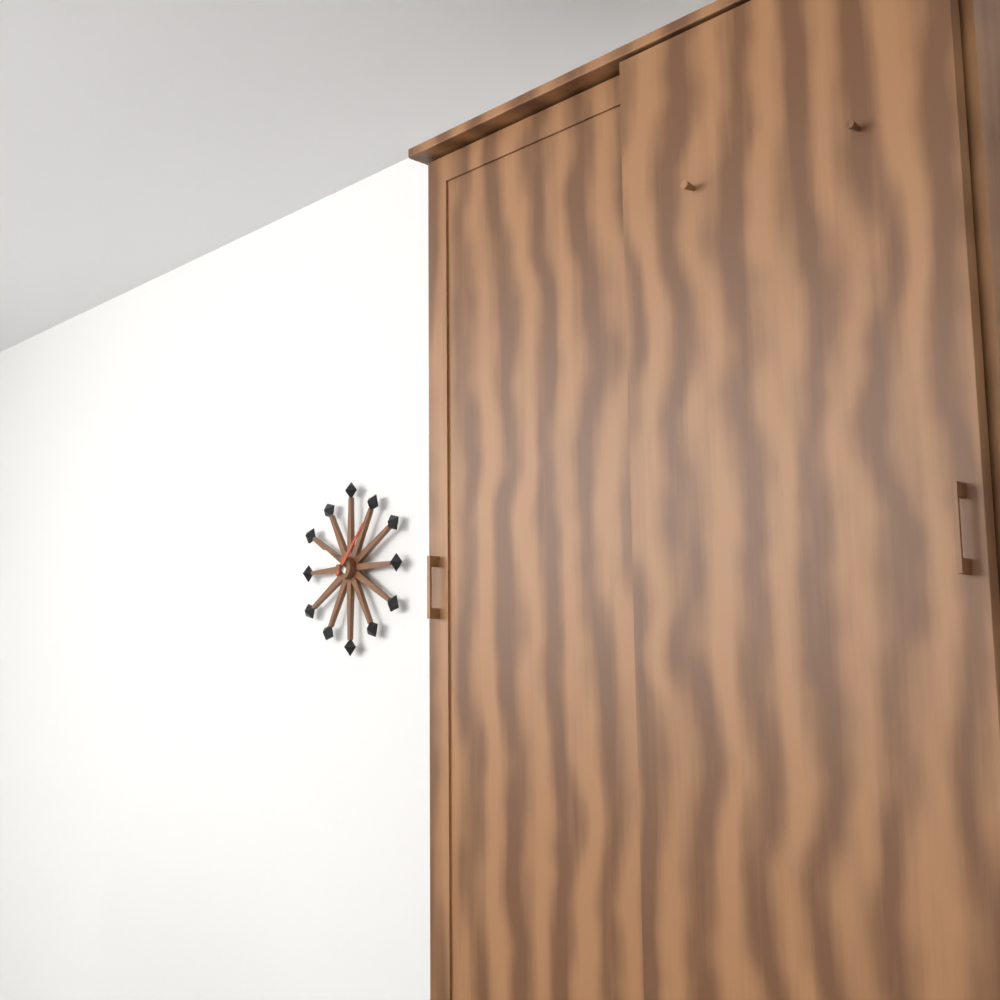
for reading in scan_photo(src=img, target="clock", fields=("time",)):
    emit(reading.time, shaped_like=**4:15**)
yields **10:07**
